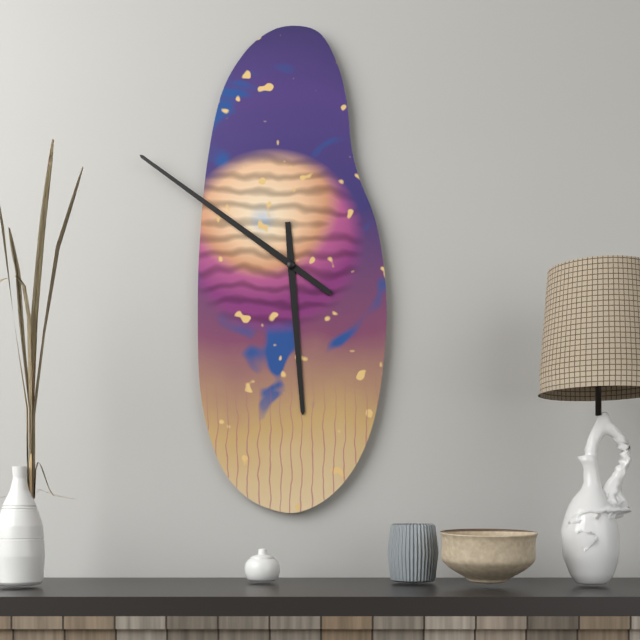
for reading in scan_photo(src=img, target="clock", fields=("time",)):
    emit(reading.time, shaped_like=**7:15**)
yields **5:51**
